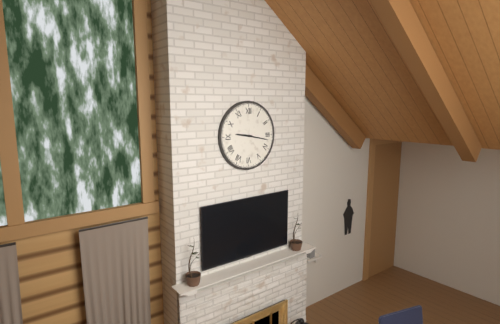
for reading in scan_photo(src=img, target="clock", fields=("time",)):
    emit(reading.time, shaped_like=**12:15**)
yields **9:17**
